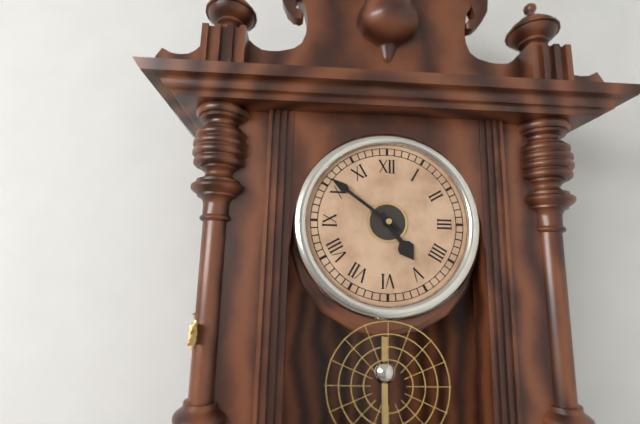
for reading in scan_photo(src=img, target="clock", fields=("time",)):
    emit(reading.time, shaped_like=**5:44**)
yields **4:51**
